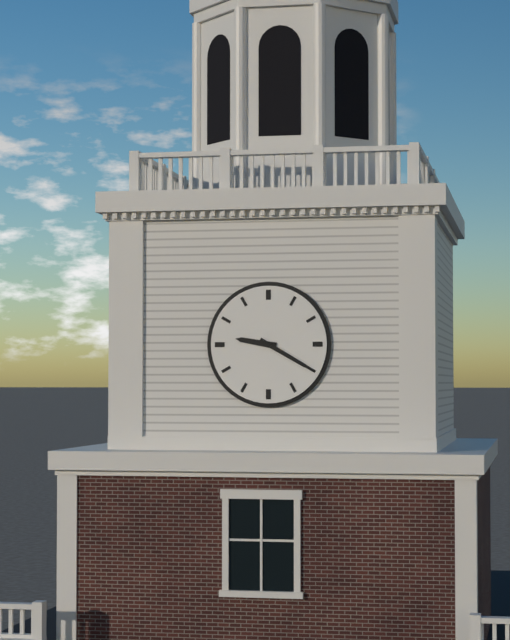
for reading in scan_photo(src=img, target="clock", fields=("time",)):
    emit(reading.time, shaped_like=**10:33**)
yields **9:20**
